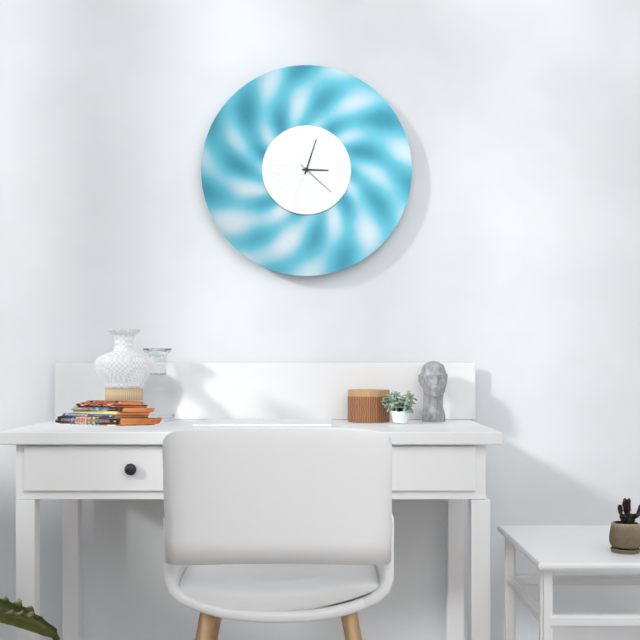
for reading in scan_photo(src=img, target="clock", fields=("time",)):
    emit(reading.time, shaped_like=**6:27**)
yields **3:03**
